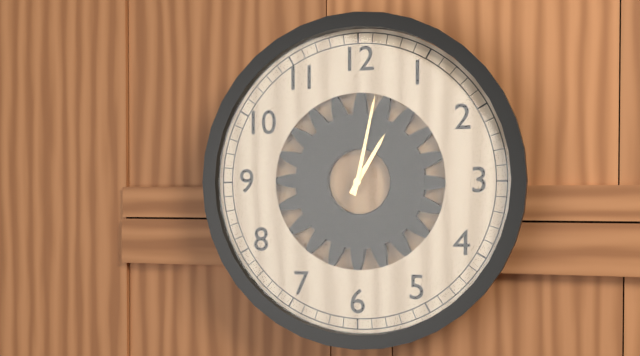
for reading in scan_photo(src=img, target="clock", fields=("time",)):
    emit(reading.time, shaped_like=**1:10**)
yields **1:02**
